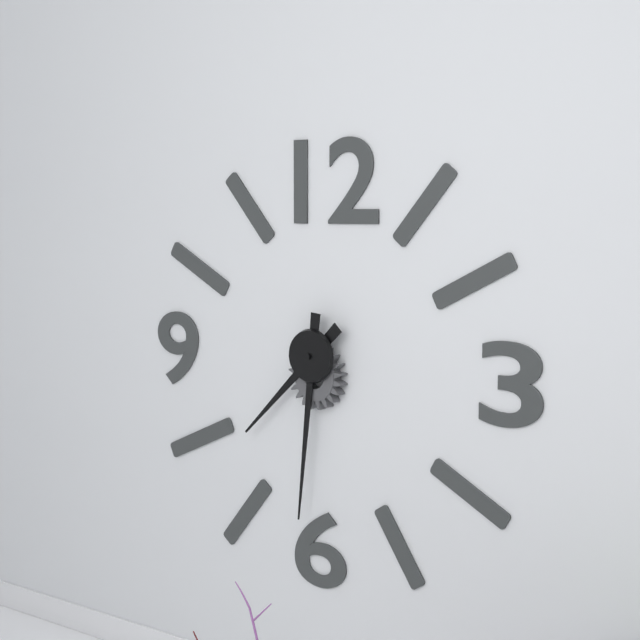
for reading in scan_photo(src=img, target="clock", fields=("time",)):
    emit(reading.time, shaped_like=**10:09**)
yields **7:31**
